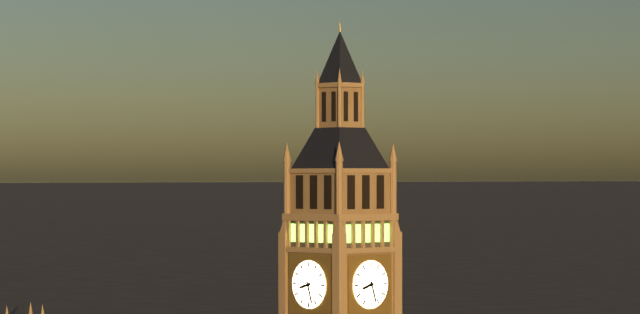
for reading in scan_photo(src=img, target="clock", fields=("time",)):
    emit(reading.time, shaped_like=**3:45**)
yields **8:27**
